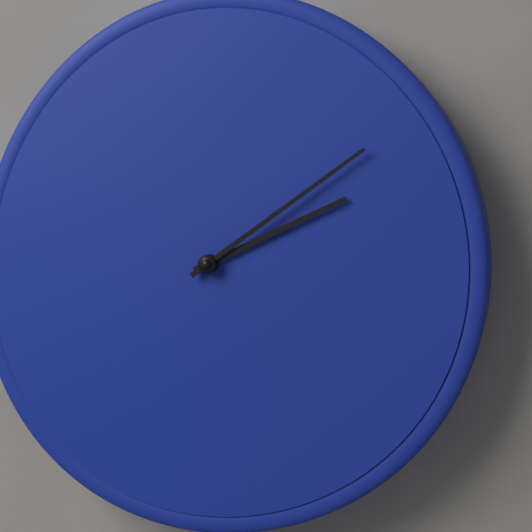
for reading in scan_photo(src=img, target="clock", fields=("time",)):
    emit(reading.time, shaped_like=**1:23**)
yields **2:09**
